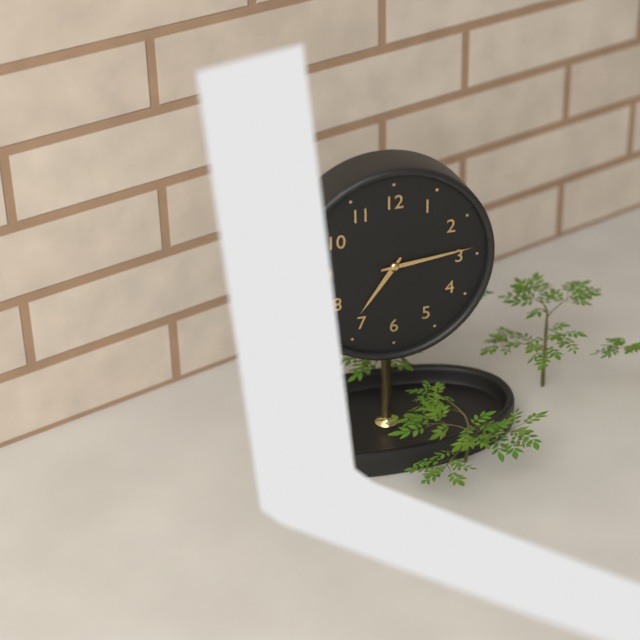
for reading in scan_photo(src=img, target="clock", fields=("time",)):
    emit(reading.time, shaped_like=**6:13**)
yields **7:14**
